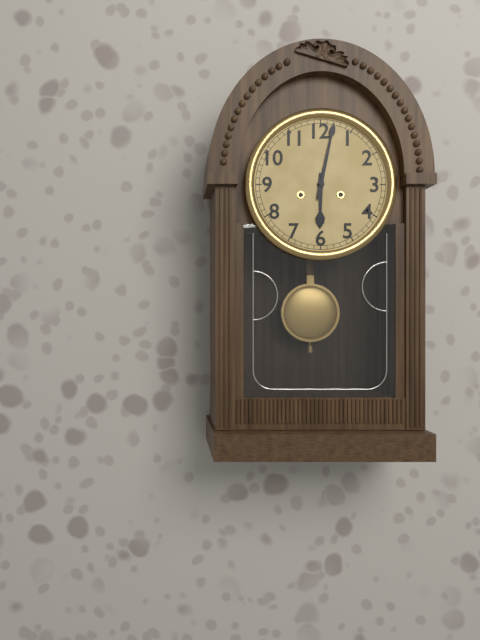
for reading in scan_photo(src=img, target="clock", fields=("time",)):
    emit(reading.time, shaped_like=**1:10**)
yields **6:02**
